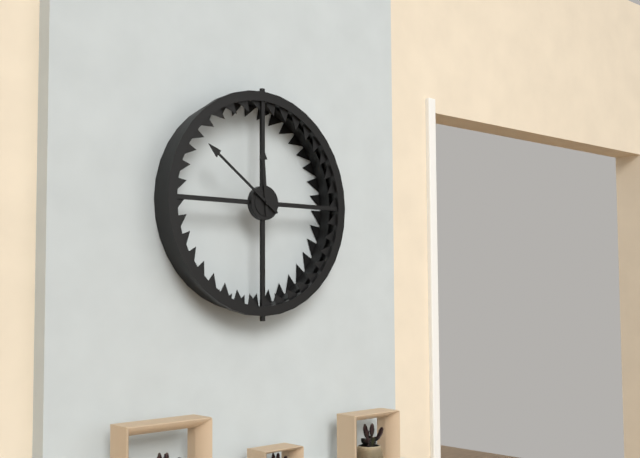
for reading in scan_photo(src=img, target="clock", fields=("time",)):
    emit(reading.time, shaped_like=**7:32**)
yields **11:51**
